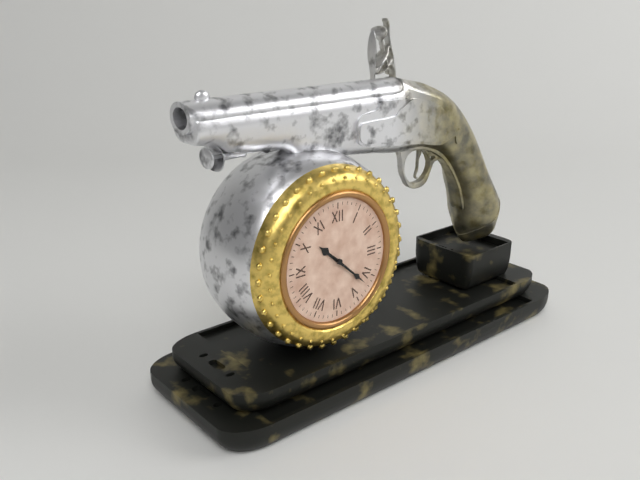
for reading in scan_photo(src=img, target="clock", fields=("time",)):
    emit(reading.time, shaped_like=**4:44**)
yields **10:22**
